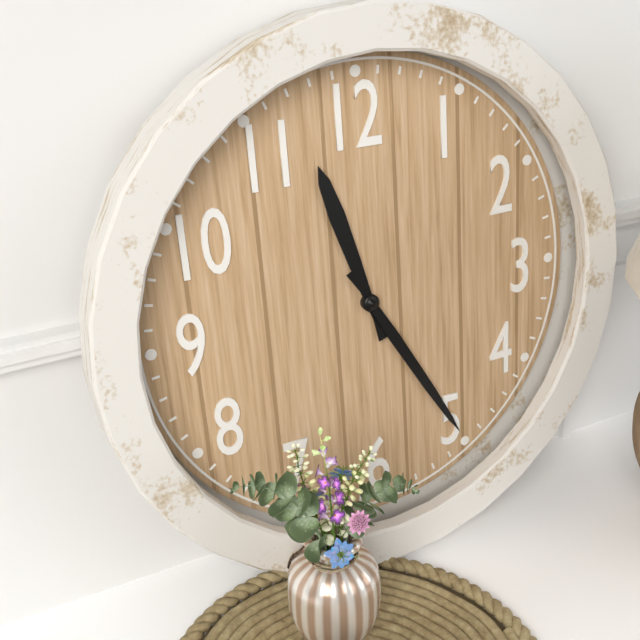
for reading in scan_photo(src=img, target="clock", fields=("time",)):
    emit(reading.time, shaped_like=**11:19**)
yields **11:25**
